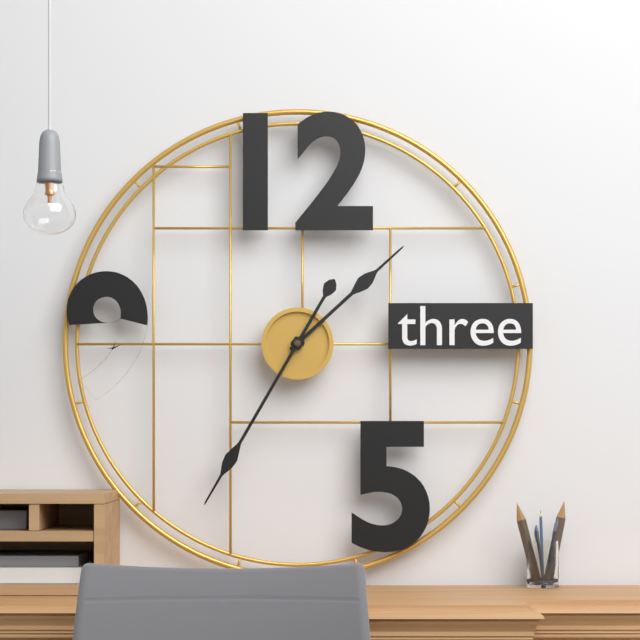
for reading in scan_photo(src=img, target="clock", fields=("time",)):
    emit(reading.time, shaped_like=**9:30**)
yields **1:35**
